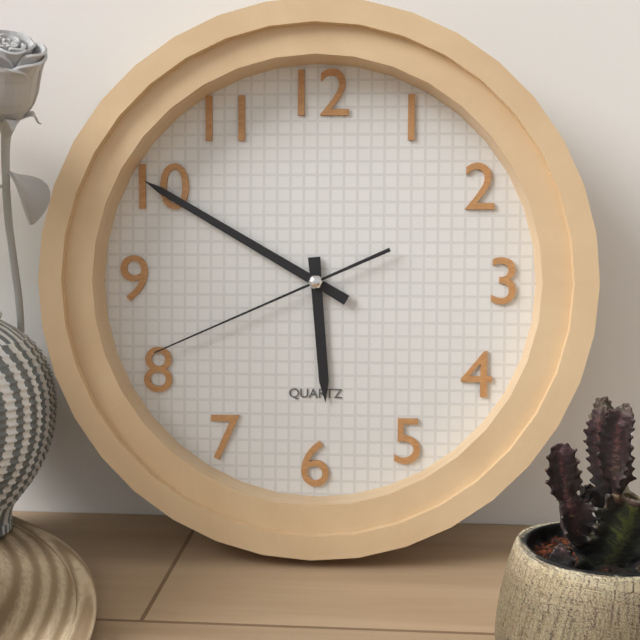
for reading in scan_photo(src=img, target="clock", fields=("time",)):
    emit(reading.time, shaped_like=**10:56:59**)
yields **5:50:41**
